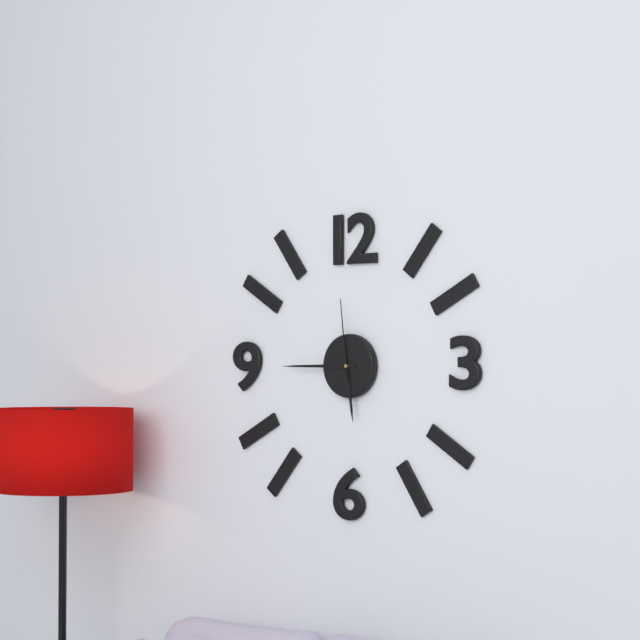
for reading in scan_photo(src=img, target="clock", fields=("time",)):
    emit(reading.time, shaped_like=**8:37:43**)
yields **5:45:59**
